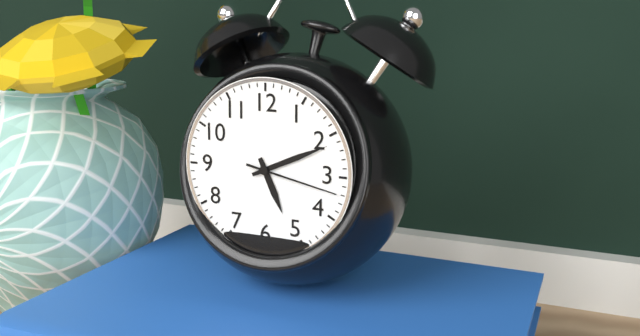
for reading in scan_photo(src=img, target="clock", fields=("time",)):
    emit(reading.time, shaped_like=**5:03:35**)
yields **5:11:17**
